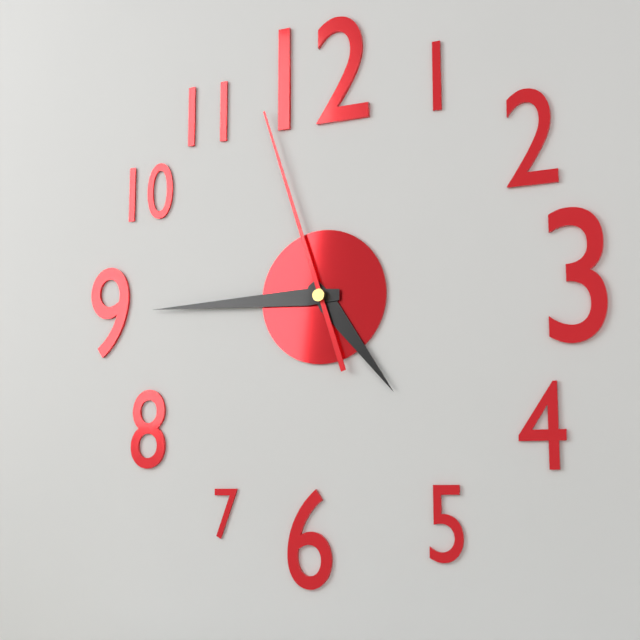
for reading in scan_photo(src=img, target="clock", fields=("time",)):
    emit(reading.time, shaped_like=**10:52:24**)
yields **4:45:57**
